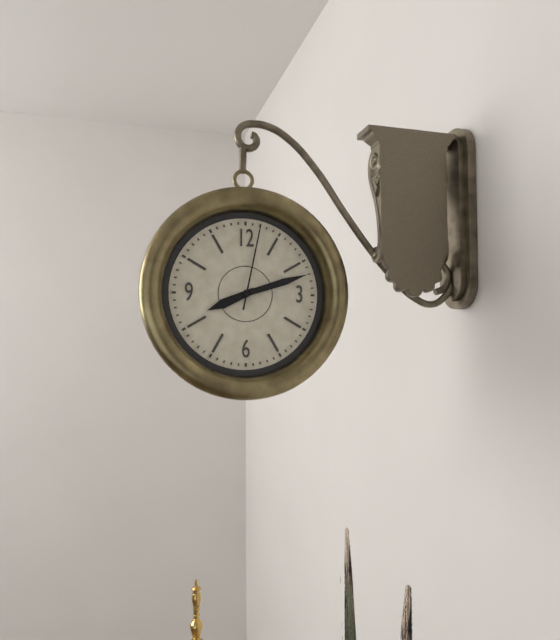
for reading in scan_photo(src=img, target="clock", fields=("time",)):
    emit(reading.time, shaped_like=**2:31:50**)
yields **8:12:02**
